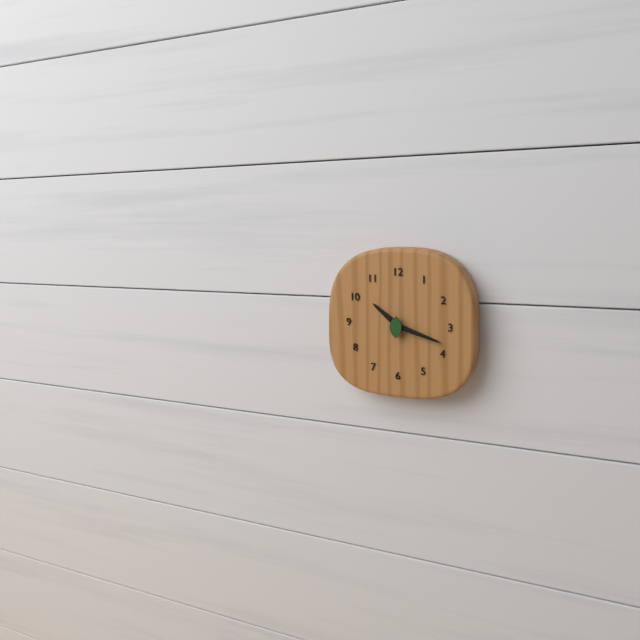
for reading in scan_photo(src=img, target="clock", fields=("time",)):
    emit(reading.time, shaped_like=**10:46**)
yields **10:18**
